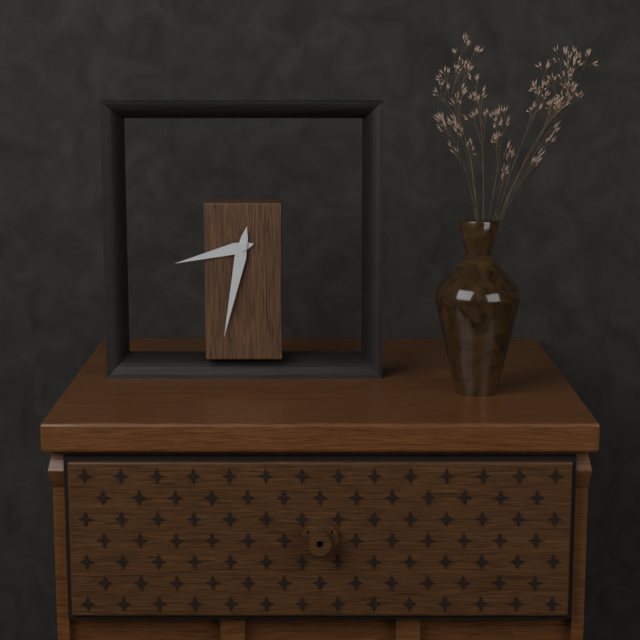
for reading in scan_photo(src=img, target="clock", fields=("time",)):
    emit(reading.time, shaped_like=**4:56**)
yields **8:32**
